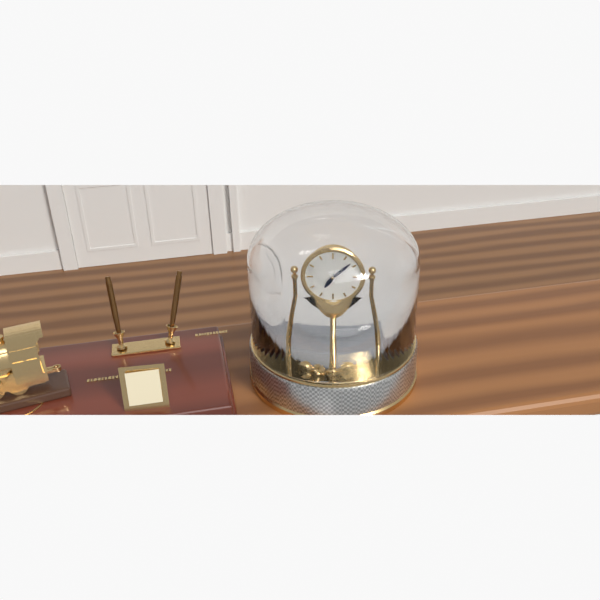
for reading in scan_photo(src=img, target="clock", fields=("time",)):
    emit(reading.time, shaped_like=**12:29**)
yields **7:08**
